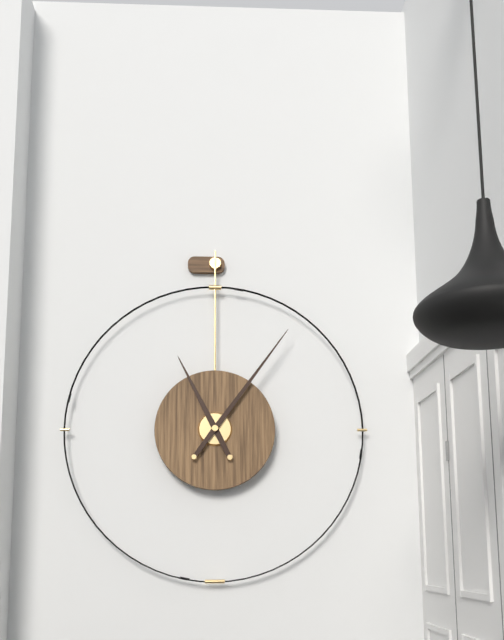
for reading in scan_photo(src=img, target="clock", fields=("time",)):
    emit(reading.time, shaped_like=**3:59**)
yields **11:06**
